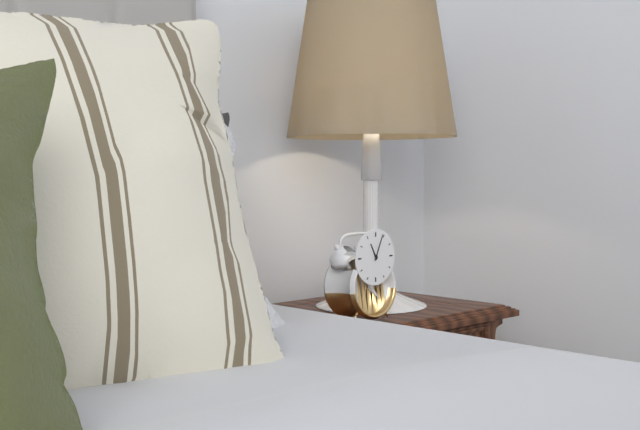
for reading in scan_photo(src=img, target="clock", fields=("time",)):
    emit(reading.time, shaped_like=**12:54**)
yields **11:04**
